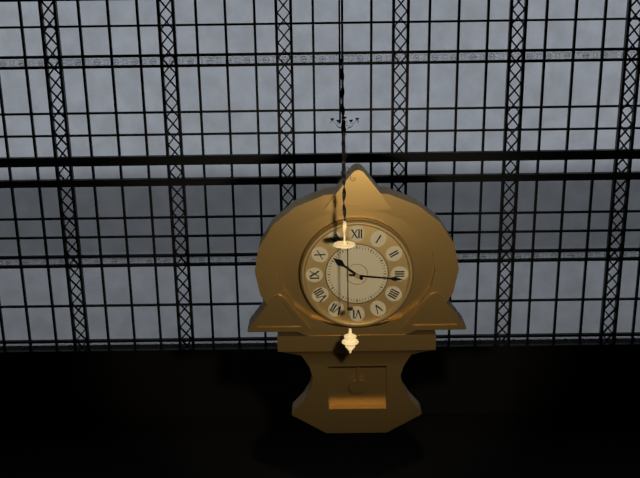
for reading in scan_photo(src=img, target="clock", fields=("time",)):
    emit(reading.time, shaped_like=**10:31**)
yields **10:16**
